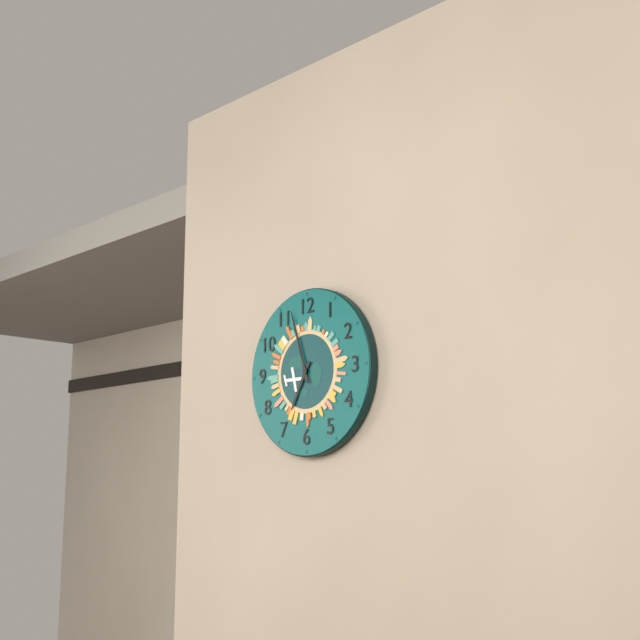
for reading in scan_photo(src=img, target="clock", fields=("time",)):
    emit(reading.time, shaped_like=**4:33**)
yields **6:57**
